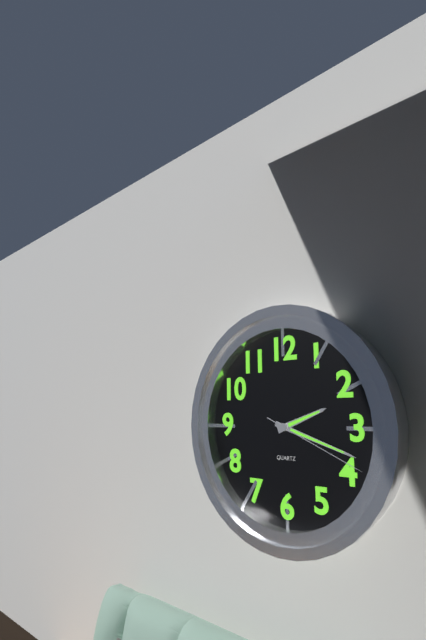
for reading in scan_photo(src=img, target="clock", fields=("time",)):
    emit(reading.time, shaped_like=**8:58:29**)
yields **2:18:19**
